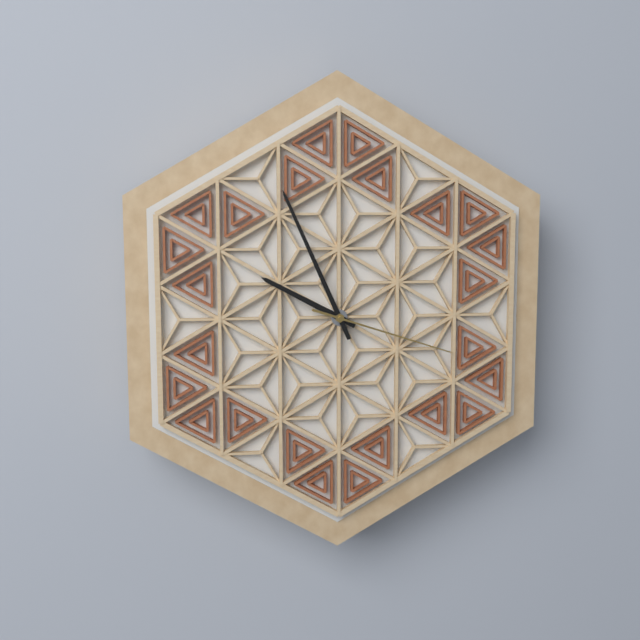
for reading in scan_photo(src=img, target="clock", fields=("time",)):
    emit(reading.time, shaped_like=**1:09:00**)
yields **9:56:18**
